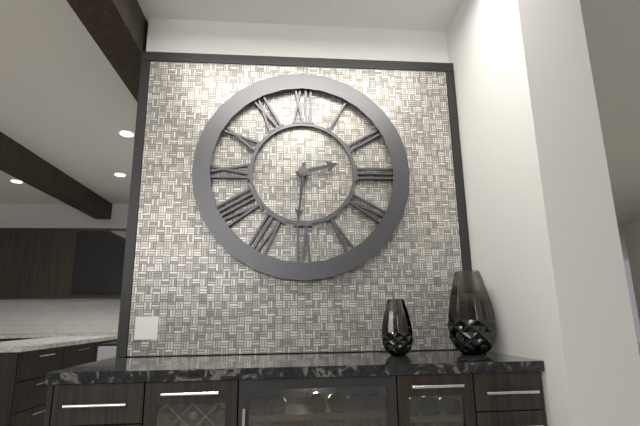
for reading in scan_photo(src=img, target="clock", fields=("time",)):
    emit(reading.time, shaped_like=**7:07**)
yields **2:31**
